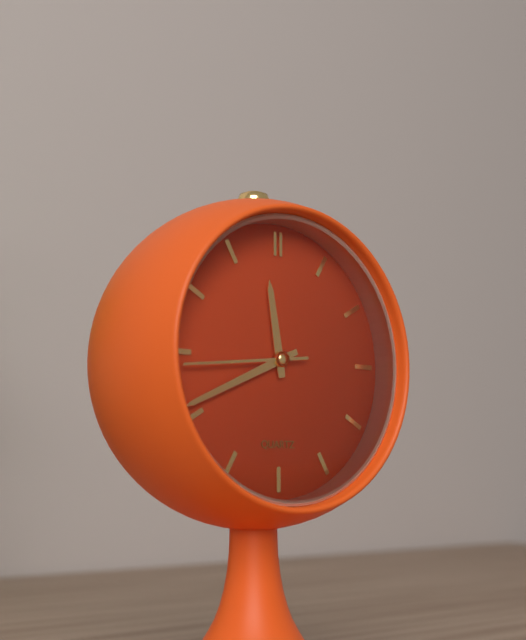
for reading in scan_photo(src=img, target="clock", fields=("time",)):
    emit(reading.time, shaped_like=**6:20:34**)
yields **11:41:44**
